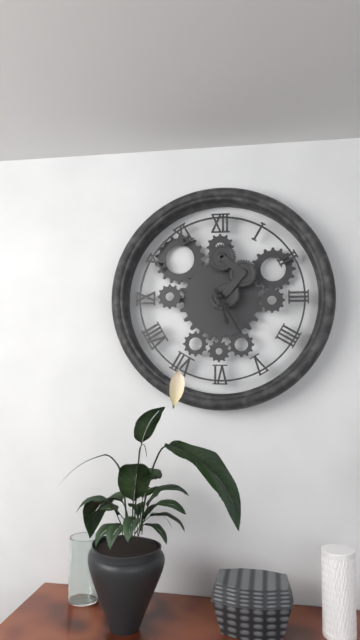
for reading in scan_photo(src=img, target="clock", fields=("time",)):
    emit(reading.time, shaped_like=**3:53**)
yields **5:25**
